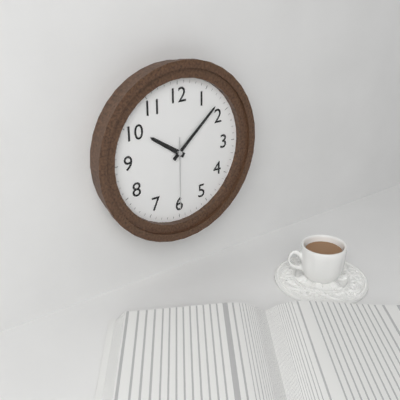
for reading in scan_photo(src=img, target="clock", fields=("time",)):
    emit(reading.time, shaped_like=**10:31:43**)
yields **10:08:30**
